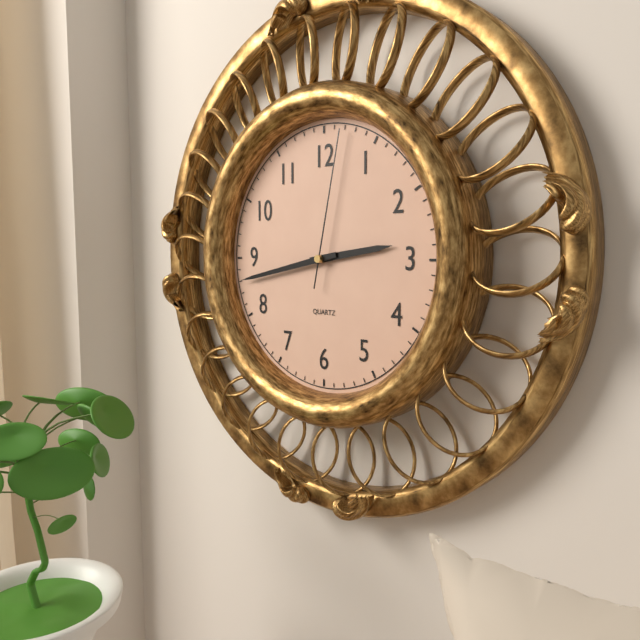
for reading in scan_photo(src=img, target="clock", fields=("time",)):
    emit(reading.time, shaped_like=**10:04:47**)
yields **2:43:02**
